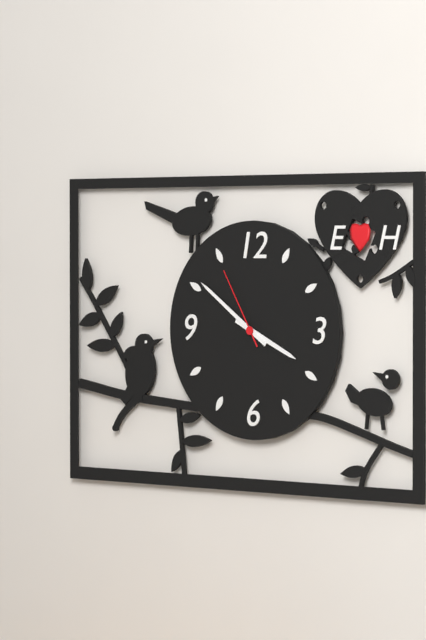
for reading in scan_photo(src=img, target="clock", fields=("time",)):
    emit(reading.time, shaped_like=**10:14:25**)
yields **3:51:55**
